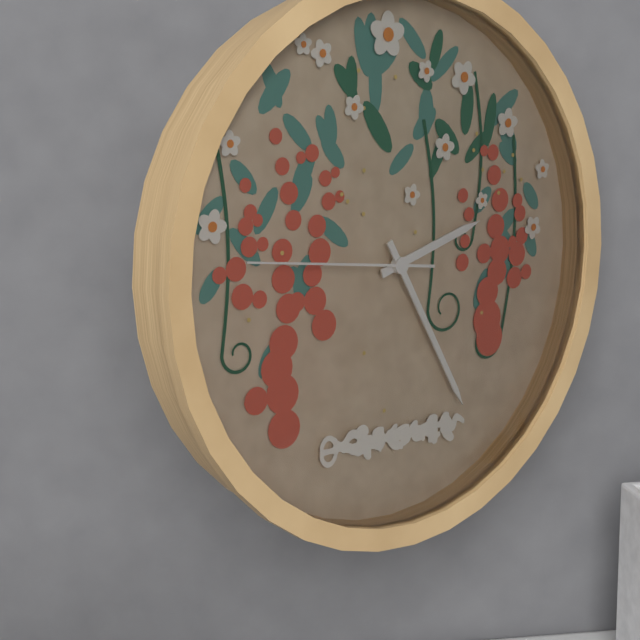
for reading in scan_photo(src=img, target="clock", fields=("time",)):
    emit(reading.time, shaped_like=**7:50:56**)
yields **2:25:46**
